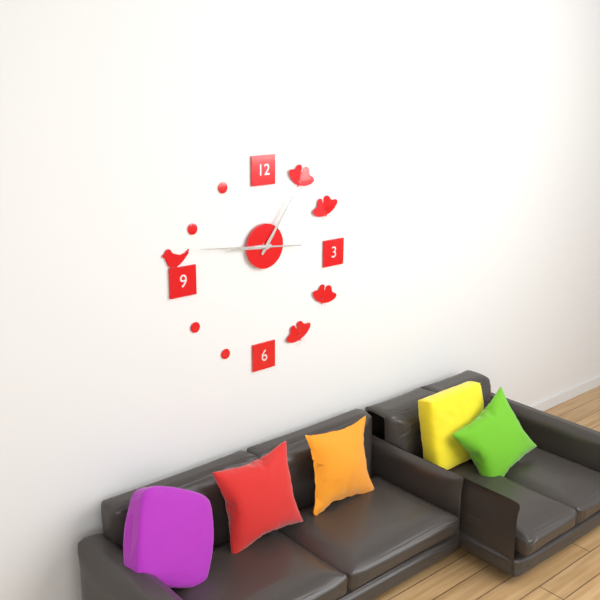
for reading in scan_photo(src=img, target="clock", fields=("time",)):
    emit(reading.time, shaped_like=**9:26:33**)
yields **9:06:46**
